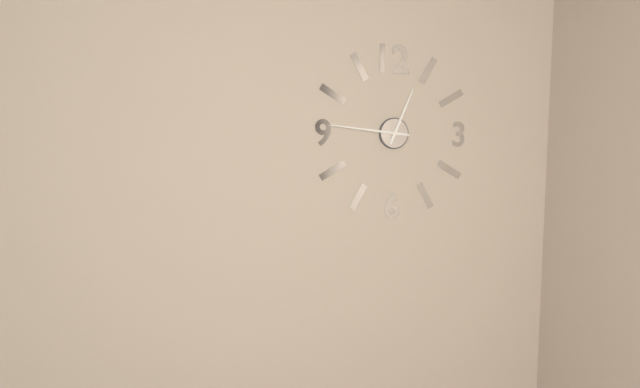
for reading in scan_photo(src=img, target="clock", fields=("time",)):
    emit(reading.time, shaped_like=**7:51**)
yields **12:46**
